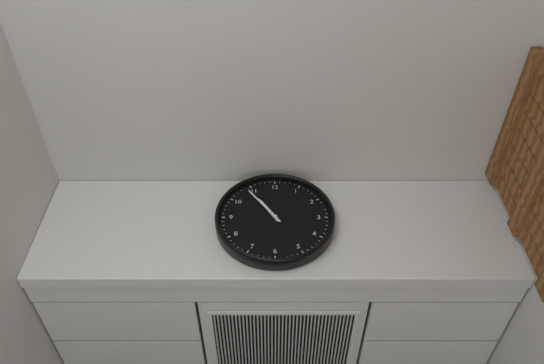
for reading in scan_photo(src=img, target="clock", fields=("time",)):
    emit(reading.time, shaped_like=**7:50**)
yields **10:54**
